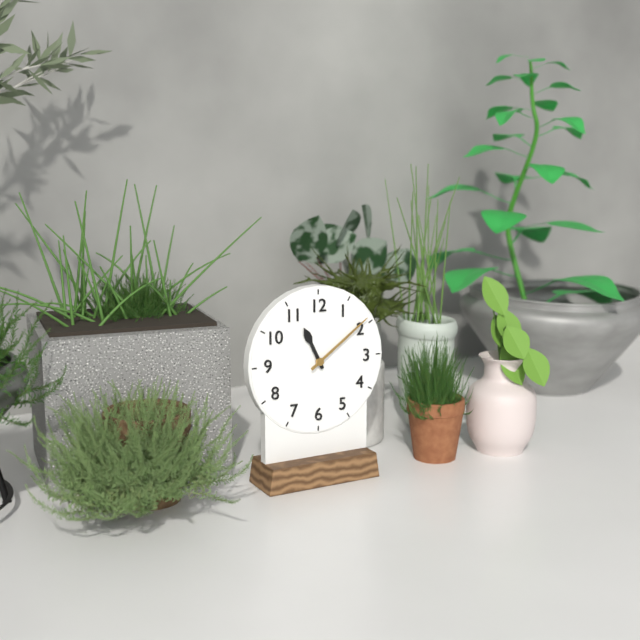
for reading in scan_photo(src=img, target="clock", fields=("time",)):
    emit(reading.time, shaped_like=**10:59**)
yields **11:09**
